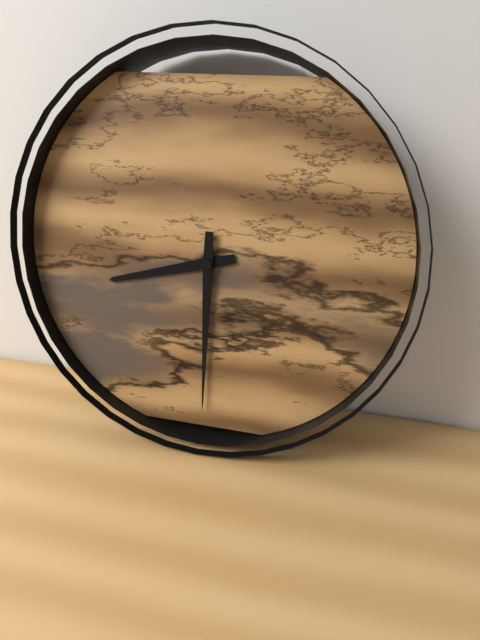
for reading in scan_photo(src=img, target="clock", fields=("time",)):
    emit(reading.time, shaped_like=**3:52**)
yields **8:30**
